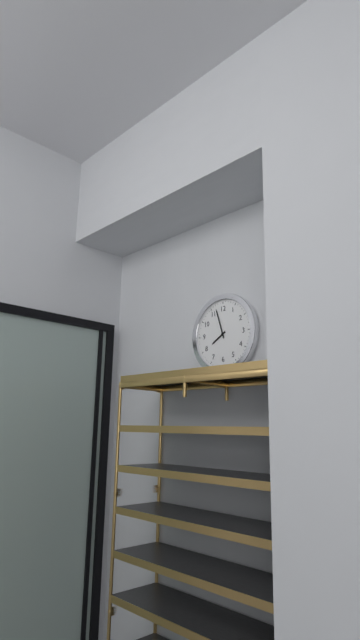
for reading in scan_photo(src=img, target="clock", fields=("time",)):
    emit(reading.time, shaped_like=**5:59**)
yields **7:57**
